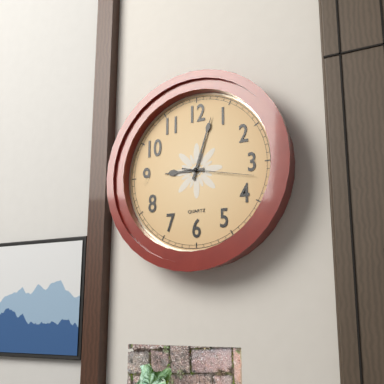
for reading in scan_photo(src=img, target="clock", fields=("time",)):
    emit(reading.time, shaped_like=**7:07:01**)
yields **9:03:17**
